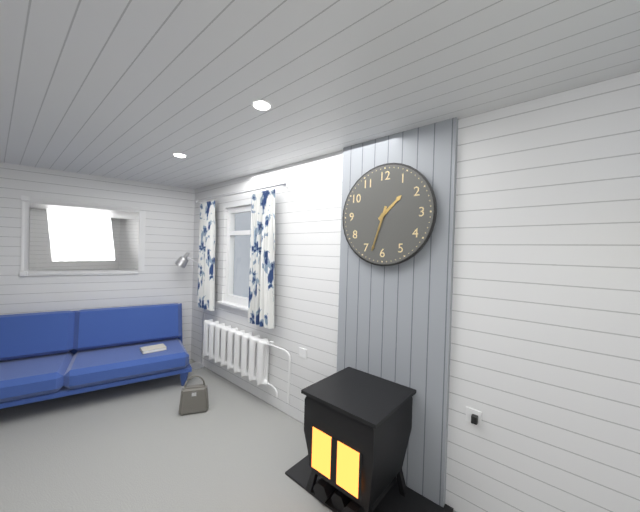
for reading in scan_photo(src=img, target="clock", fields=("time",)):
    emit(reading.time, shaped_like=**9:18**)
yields **1:33**
